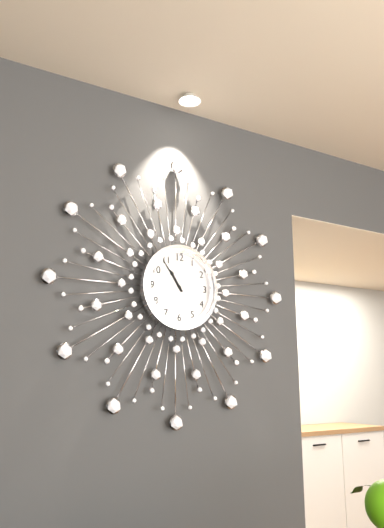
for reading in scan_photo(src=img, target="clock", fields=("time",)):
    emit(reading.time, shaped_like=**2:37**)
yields **10:54**
